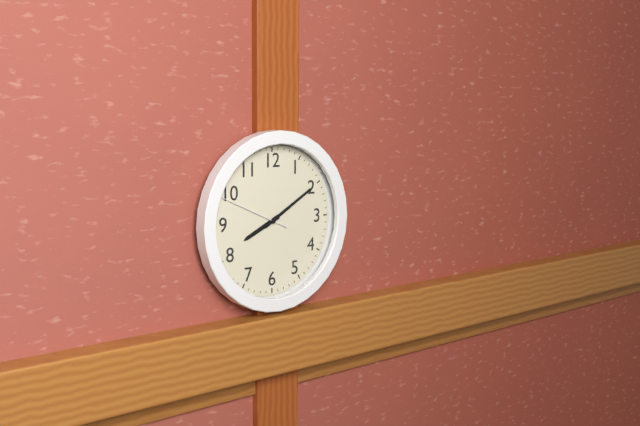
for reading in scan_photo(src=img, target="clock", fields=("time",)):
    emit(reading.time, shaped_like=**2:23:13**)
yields **8:10:49**
